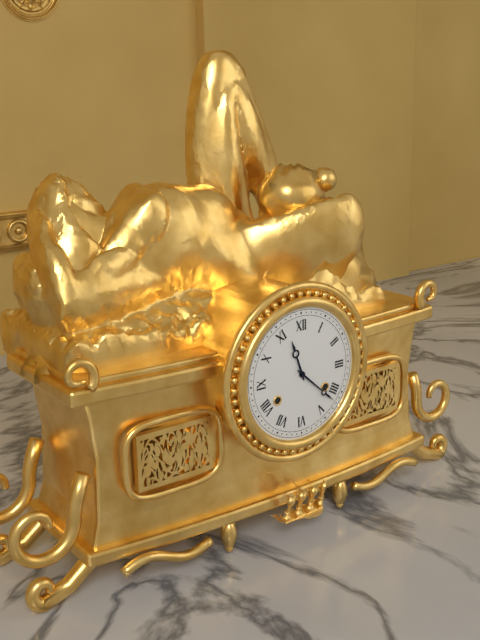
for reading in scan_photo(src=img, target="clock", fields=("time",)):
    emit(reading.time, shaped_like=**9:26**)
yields **11:22**
